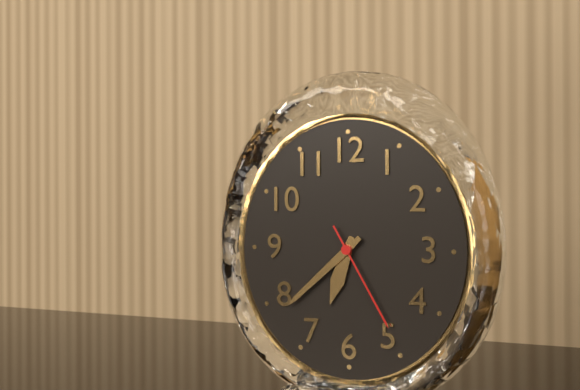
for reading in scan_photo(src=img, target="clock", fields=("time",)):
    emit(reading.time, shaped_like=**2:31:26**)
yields **6:38:25**
